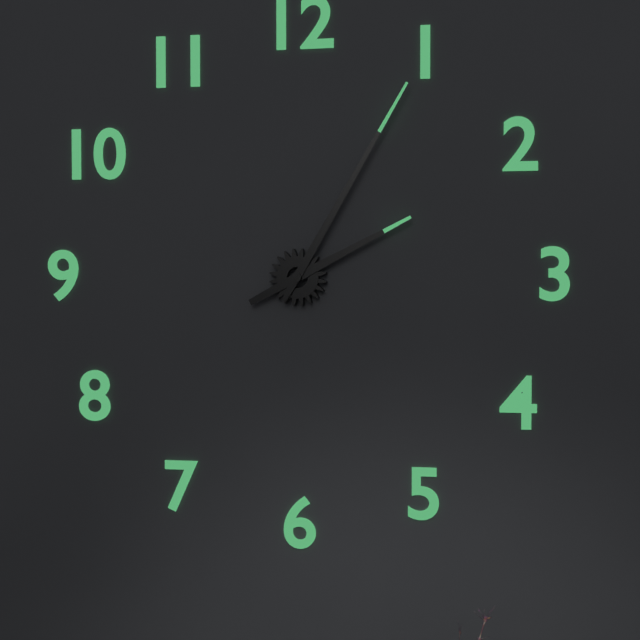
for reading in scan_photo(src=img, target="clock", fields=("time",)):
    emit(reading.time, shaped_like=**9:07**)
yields **2:05**
